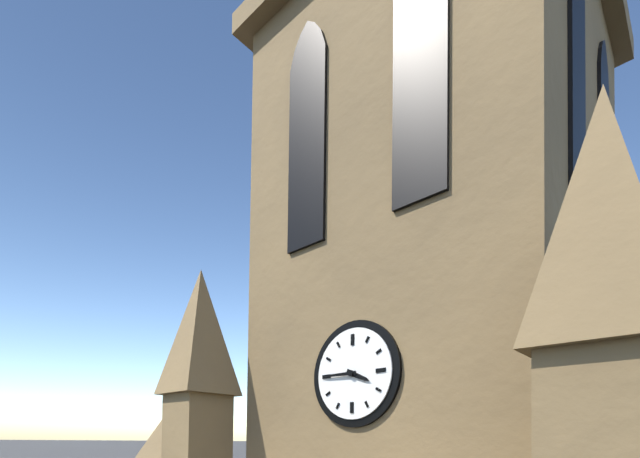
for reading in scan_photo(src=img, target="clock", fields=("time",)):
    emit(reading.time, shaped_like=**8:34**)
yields **3:45**
